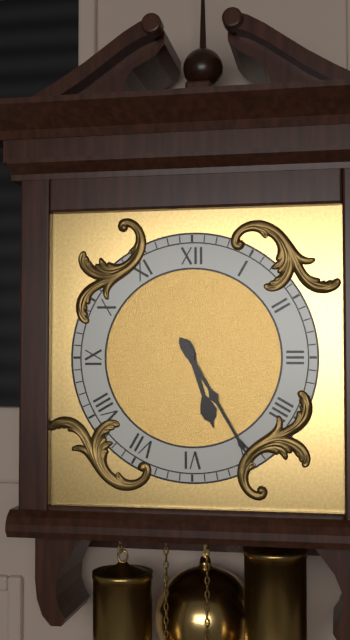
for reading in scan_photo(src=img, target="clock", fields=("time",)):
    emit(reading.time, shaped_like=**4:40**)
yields **5:25**
